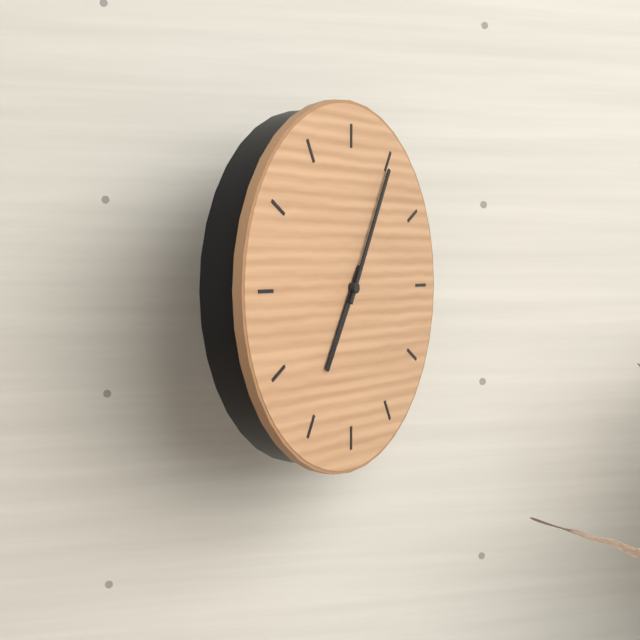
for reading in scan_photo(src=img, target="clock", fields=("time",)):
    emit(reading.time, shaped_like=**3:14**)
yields **7:05**
